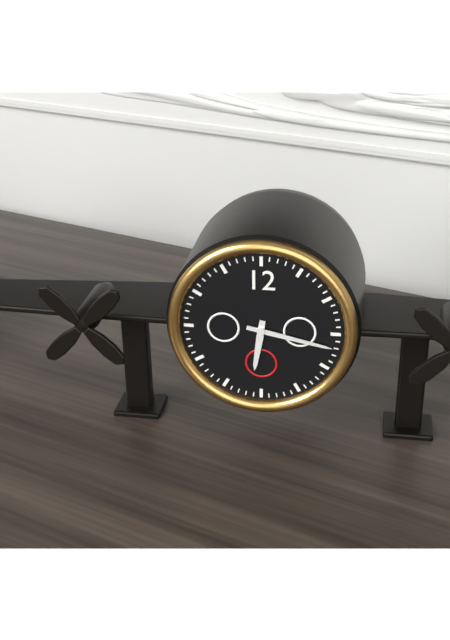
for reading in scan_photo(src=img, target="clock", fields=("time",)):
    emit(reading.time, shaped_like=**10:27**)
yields **6:17**
